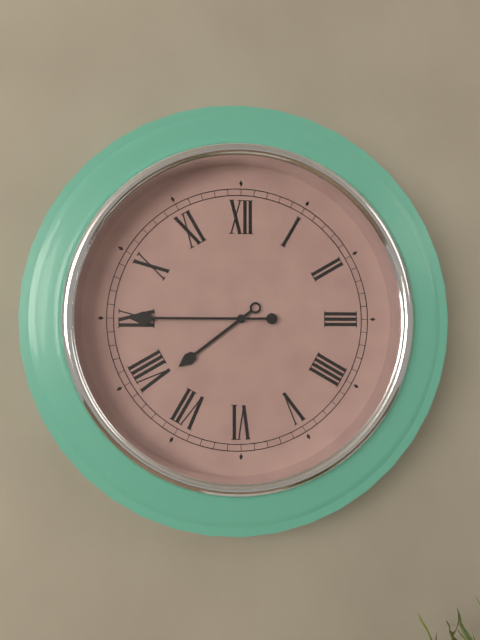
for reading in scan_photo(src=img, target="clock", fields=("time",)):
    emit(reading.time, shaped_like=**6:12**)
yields **7:45**
